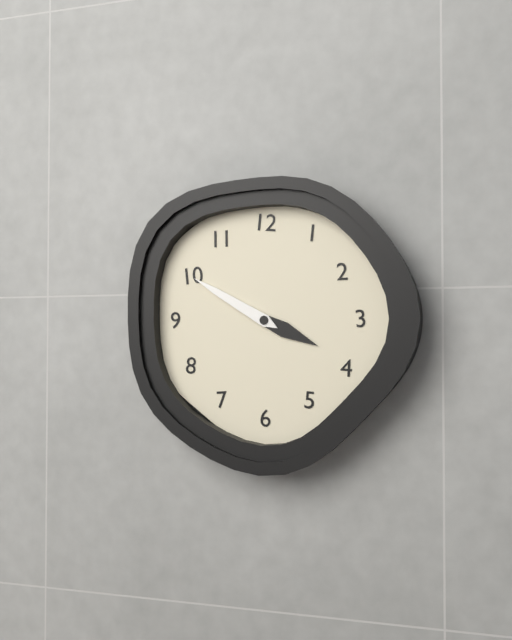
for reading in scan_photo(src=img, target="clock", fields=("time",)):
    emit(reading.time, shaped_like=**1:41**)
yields **3:50**
